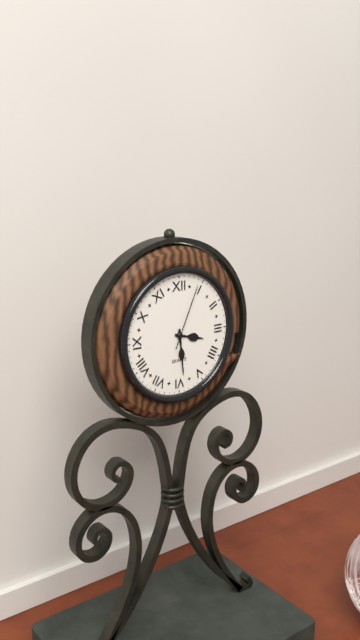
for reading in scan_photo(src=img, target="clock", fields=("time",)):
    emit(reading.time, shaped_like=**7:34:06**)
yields **3:29:04**
